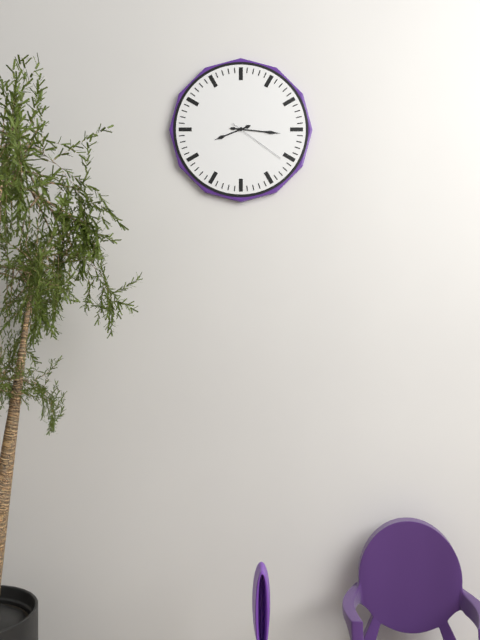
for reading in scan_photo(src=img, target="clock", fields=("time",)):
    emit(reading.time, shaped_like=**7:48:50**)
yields **8:16:21**
